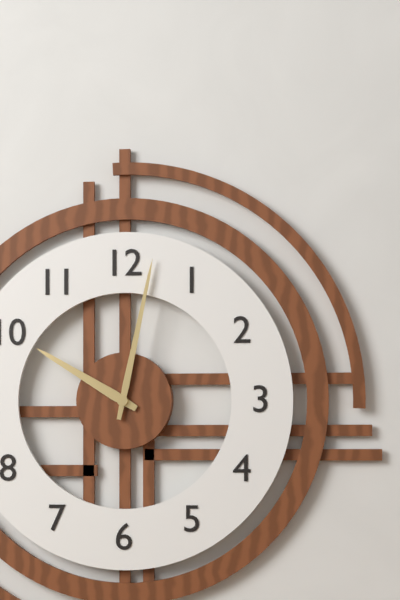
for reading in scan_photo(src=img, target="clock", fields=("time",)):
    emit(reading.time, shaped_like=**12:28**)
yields **10:02**
